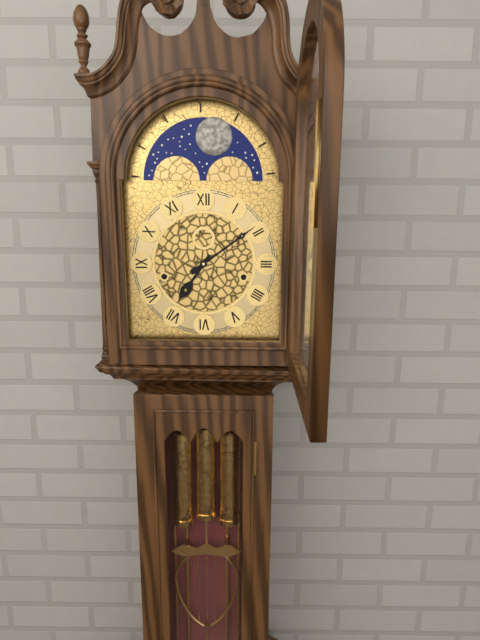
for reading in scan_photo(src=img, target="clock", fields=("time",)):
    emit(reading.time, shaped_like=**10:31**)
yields **7:09**
